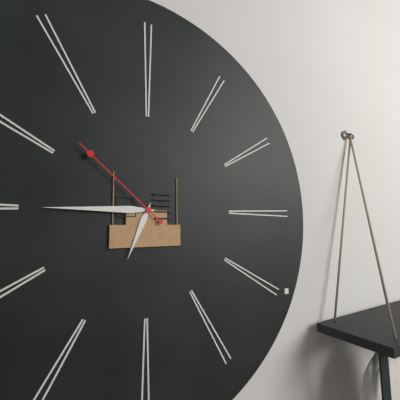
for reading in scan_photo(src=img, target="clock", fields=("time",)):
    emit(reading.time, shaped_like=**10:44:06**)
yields **6:45:52**
